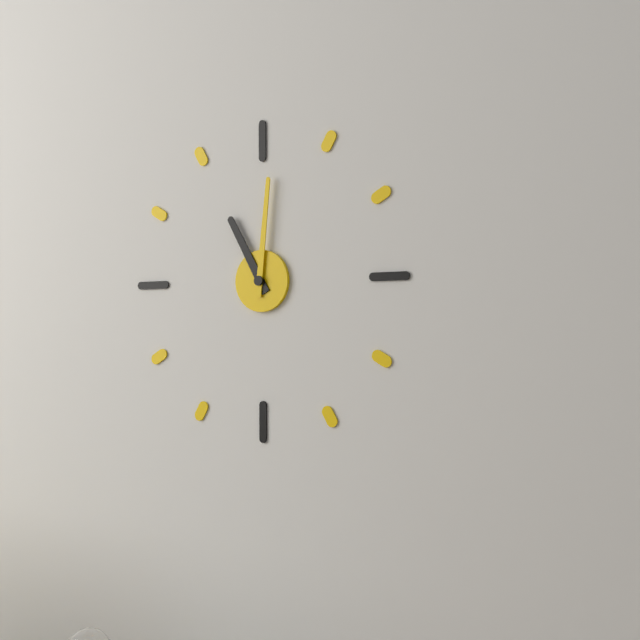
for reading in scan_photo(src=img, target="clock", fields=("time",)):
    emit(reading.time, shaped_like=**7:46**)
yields **11:01**
